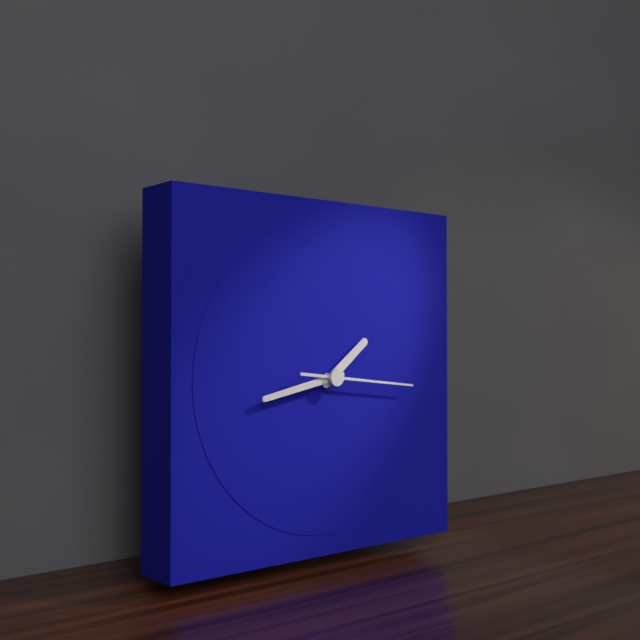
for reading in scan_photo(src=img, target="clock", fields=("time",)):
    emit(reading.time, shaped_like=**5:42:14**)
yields **1:43:16**
